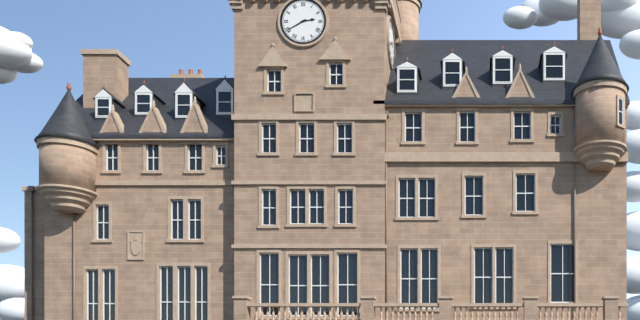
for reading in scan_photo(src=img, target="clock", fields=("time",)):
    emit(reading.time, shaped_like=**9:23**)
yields **2:40**
